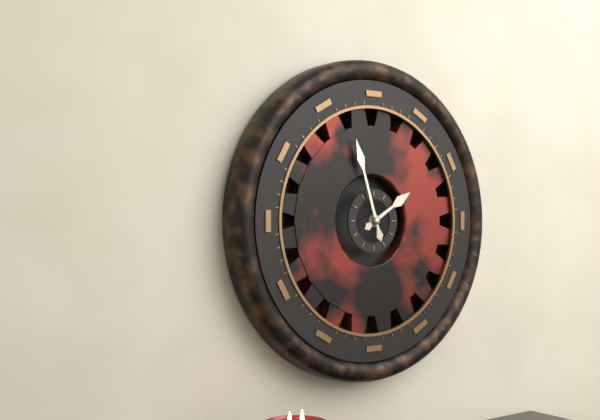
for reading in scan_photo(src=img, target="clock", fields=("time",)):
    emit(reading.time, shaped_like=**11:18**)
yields **1:57**
